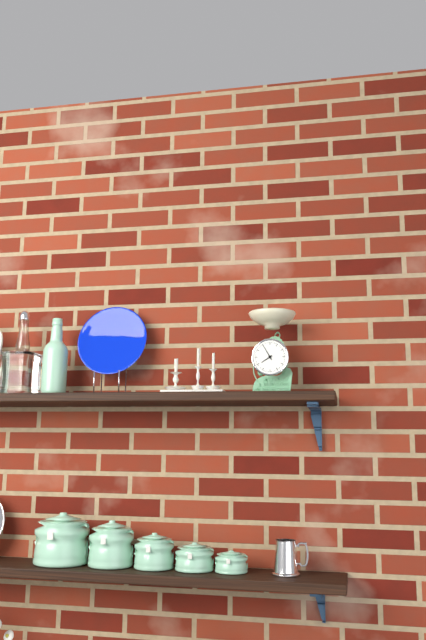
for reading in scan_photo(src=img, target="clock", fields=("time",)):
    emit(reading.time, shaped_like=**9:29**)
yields **7:55**
